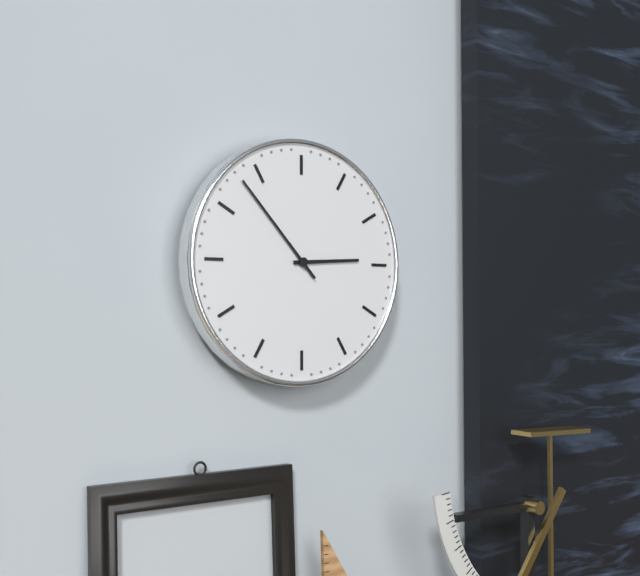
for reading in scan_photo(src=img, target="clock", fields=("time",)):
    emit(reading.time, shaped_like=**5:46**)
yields **2:53**
